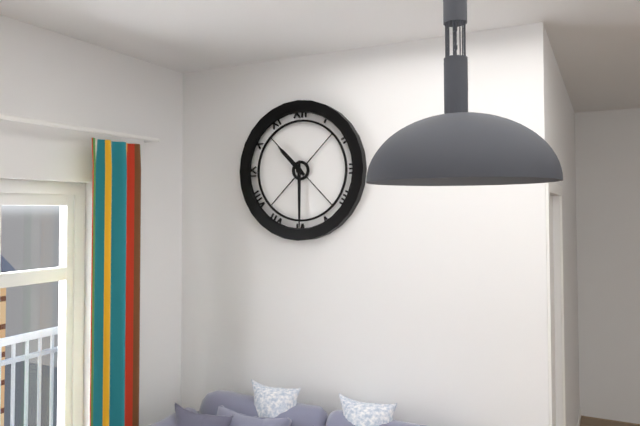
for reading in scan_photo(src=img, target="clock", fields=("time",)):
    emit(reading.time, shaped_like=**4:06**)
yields **10:30**
